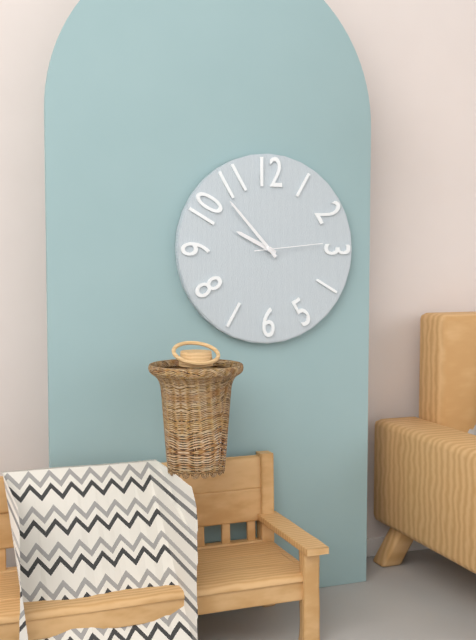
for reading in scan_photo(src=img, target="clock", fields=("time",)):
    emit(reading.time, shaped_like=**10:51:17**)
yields **9:53:14**
